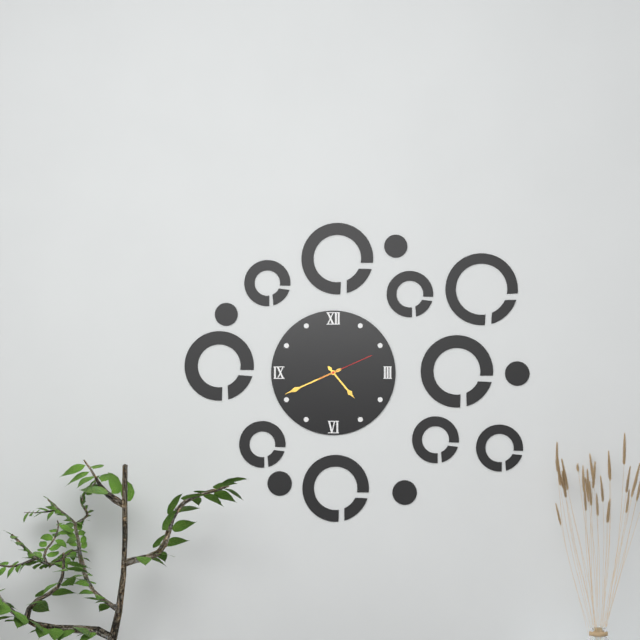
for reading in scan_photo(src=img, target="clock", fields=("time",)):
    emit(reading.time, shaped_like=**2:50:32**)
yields **4:41:11**
